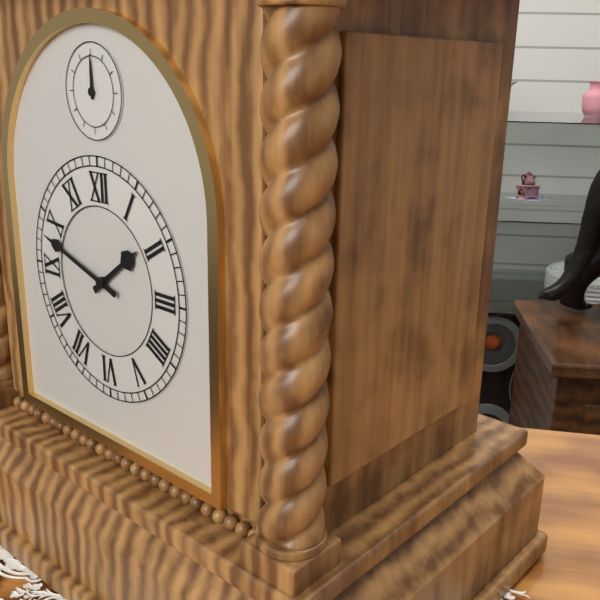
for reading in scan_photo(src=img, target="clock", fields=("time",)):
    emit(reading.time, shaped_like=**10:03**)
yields **1:48**
